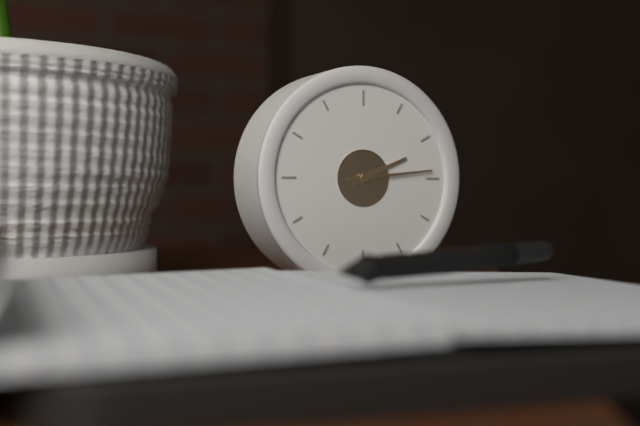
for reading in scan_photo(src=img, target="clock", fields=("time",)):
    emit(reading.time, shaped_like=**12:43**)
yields **2:14**
